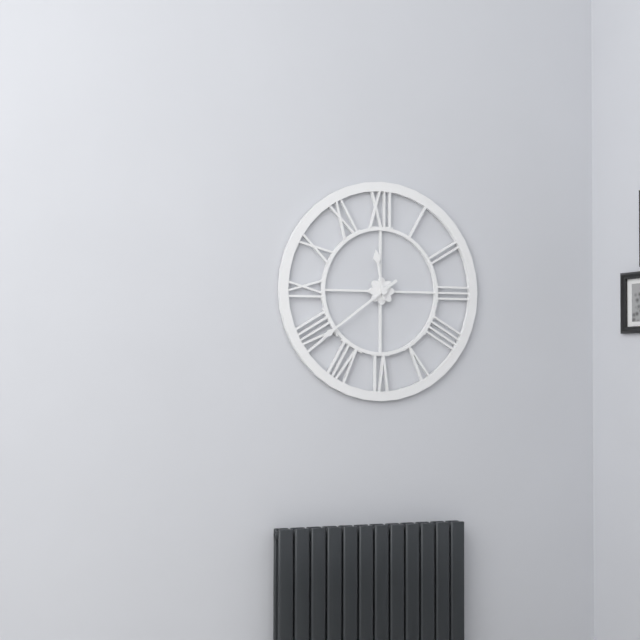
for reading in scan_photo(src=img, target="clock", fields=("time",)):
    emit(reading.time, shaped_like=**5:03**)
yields **11:39**
